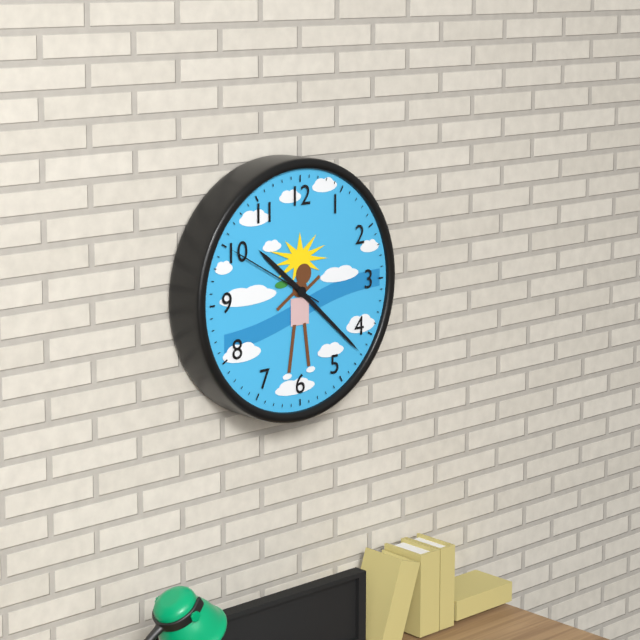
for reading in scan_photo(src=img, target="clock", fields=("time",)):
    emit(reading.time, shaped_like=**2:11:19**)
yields **10:22:50**
